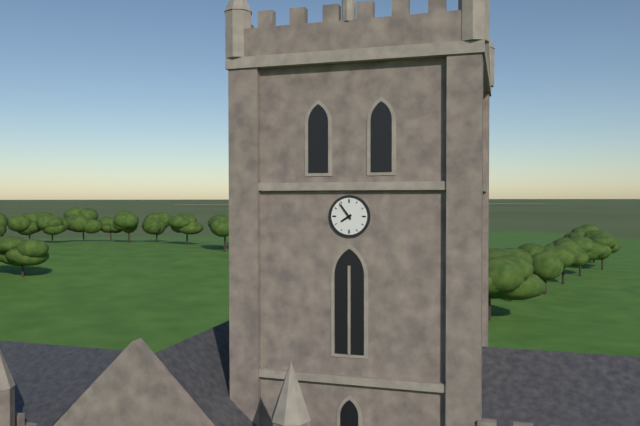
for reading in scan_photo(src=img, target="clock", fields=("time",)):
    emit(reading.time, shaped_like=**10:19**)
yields **7:54**
